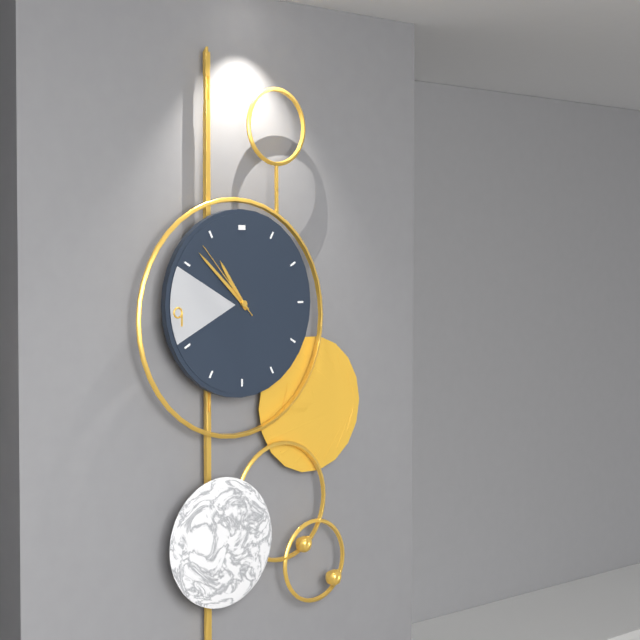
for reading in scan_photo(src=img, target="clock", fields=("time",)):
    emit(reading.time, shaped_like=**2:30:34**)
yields **10:52:53**
